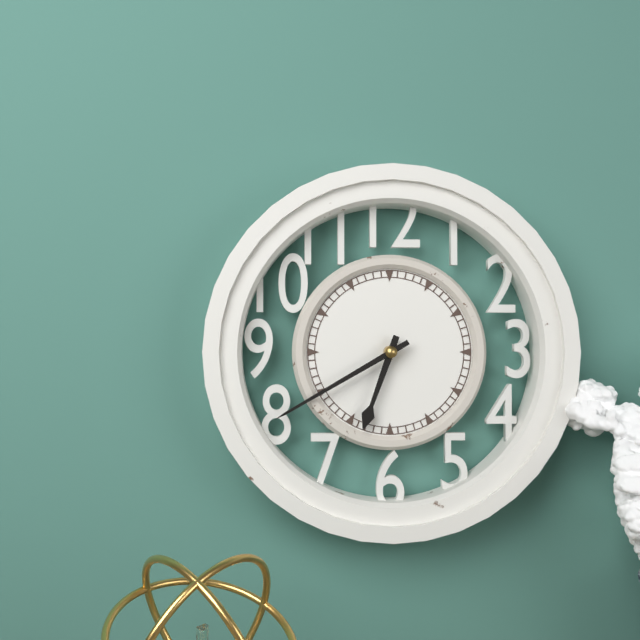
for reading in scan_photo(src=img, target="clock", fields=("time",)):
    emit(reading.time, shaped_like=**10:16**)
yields **6:40**
